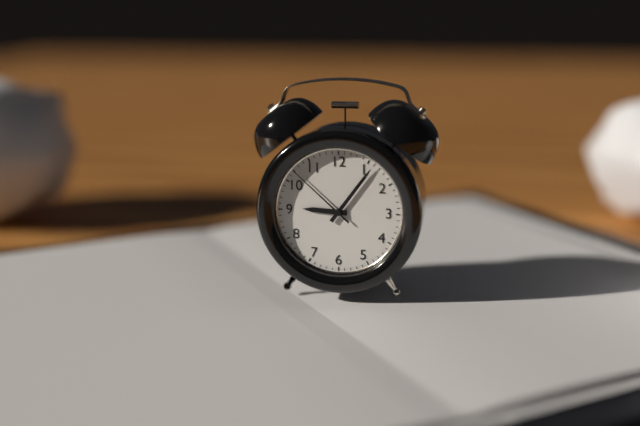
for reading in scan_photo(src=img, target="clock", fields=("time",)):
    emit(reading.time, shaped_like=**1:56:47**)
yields **9:06:52**
